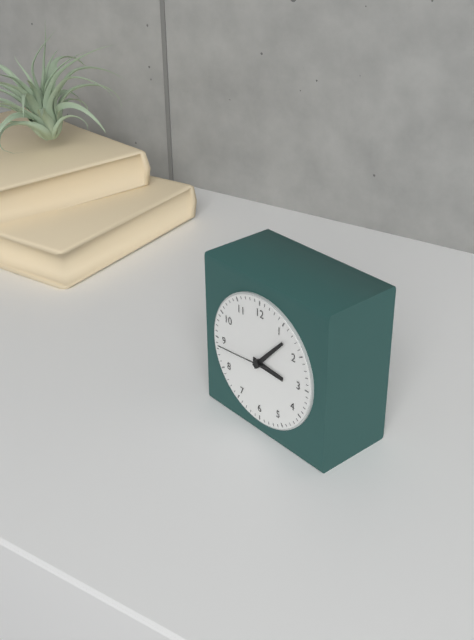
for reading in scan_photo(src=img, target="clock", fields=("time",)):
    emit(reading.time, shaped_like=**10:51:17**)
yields **3:07:44**
